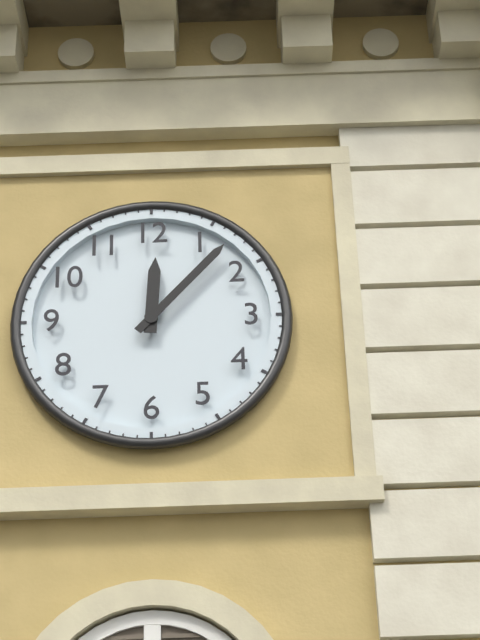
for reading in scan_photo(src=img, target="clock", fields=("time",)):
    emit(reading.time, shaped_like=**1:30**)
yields **12:07**
